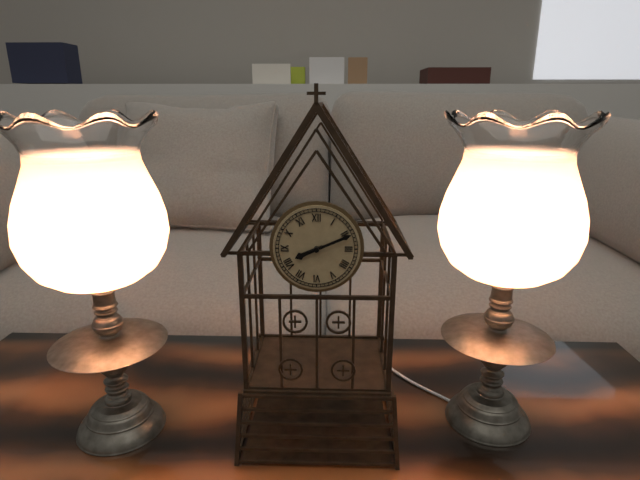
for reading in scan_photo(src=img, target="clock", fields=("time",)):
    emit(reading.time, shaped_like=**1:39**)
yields **8:11**
